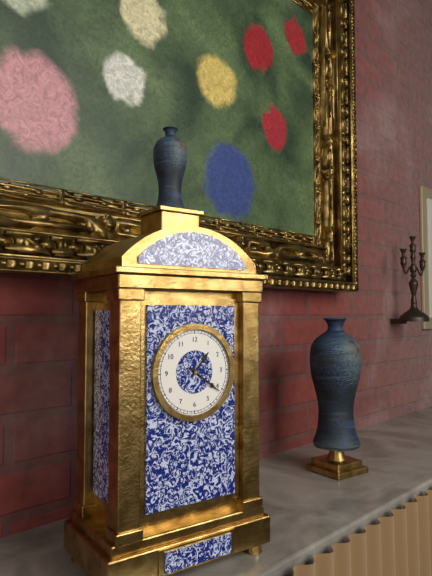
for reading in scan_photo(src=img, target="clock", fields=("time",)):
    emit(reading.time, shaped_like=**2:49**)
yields **1:21**
